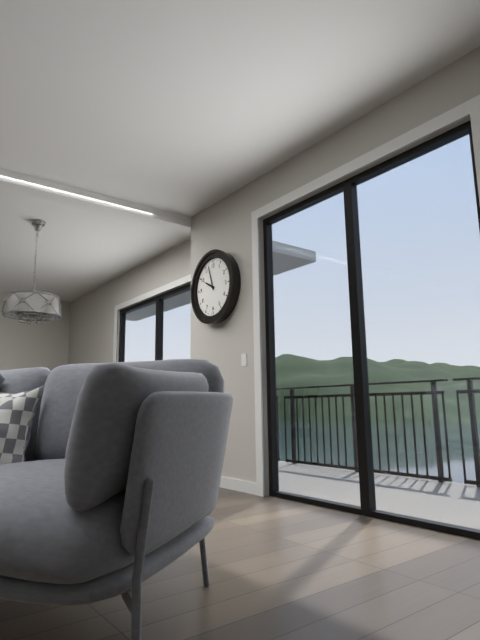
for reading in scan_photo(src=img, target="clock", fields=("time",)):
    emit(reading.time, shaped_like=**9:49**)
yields **9:57**
